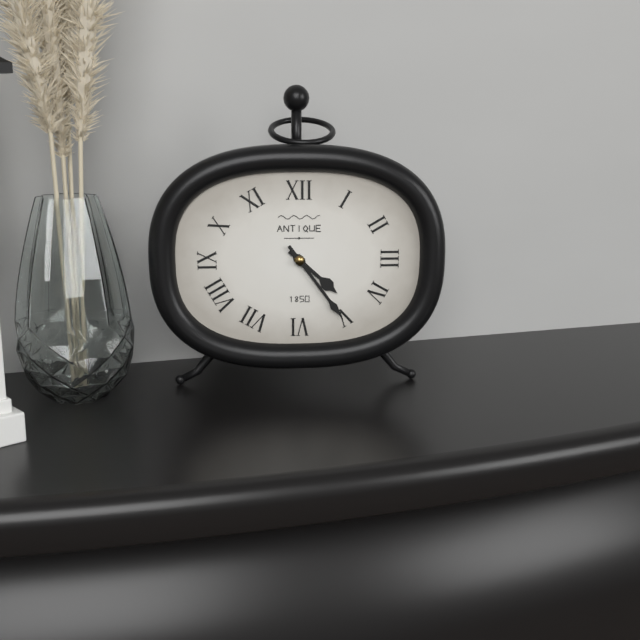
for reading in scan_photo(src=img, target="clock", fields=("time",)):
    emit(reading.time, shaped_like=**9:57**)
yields **4:24**
